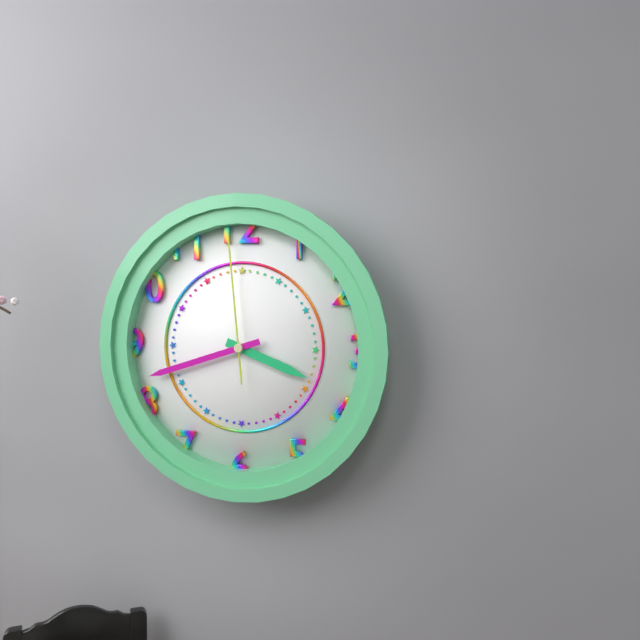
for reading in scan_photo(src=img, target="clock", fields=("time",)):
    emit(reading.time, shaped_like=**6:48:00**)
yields **3:42:59**
